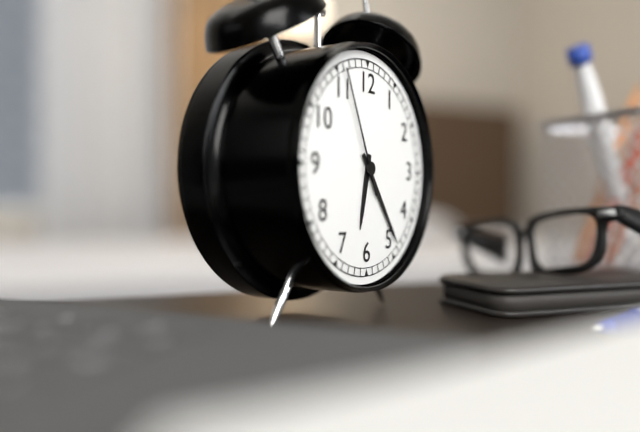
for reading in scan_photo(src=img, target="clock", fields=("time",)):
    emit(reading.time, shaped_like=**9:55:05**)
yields **6:24:56**
